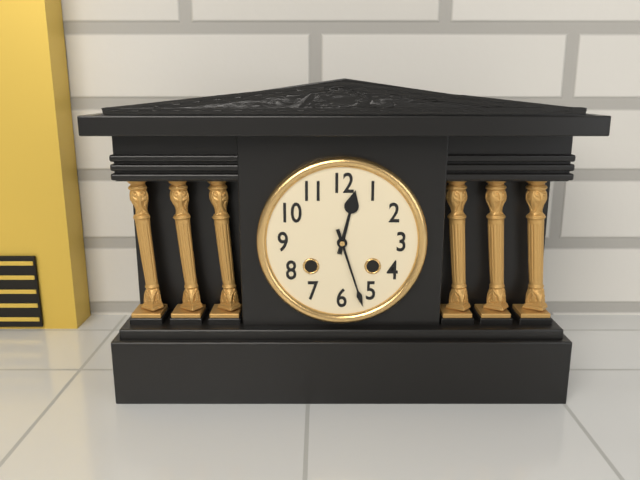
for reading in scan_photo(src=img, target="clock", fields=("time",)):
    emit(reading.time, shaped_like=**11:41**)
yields **12:27**
